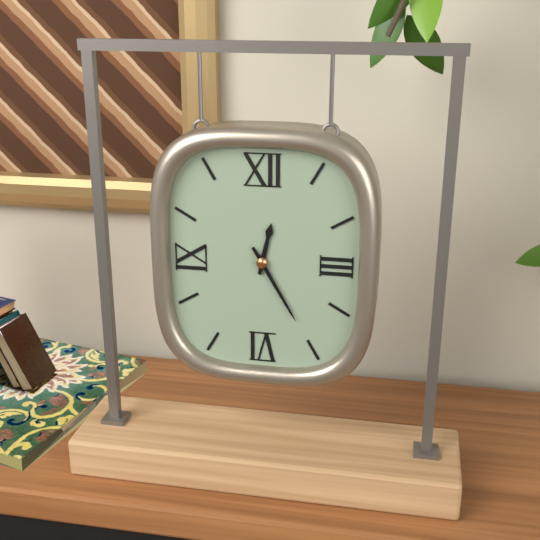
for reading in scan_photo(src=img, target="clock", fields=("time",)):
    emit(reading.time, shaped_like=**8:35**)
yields **12:25**
